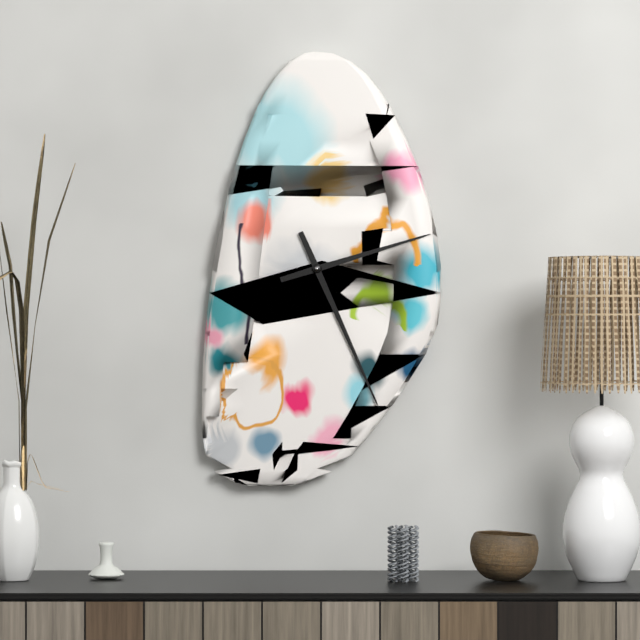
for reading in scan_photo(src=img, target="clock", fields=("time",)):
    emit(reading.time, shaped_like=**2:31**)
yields **2:26**
